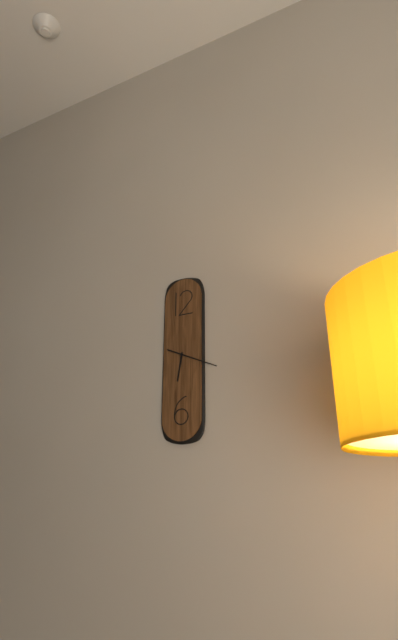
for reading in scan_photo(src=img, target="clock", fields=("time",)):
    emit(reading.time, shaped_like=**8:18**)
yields **6:19**
